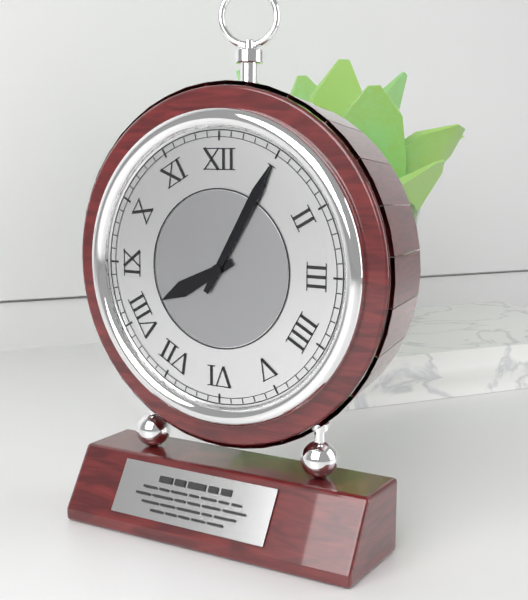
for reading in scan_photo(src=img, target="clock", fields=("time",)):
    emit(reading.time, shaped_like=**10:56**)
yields **8:05**
